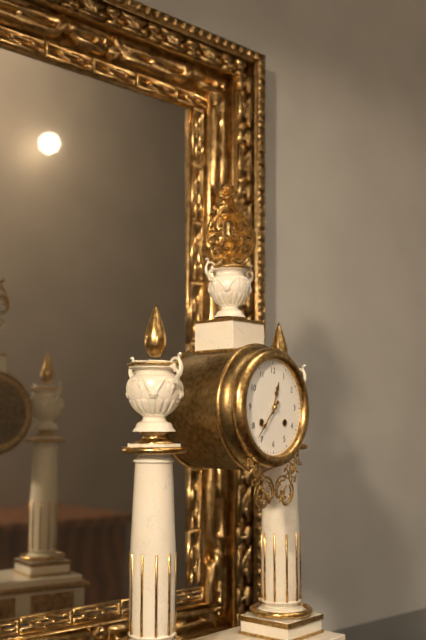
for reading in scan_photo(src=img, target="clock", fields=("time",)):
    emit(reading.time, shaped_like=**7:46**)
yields **12:37**
